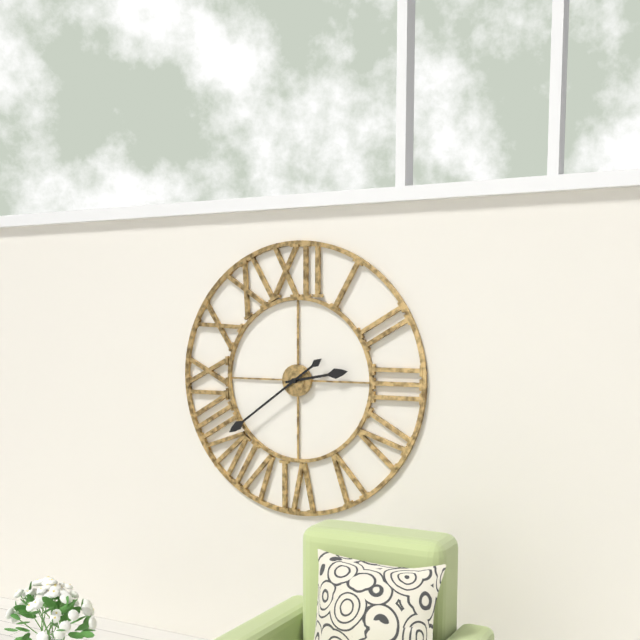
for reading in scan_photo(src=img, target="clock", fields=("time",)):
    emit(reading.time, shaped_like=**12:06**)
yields **2:39**
